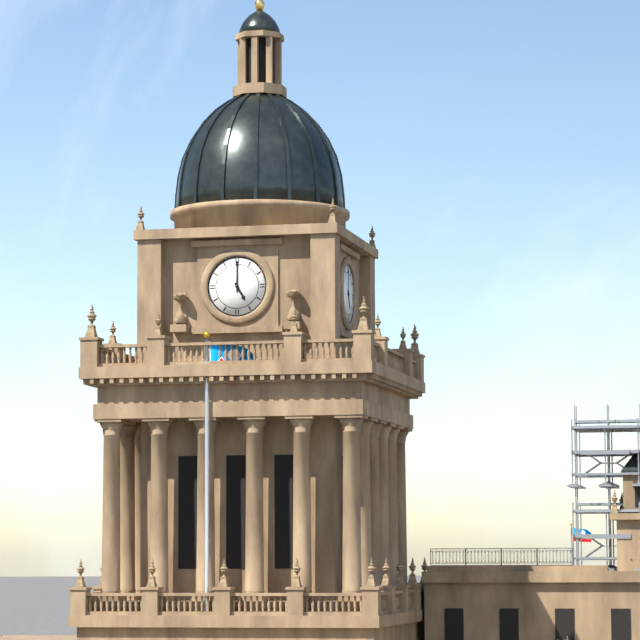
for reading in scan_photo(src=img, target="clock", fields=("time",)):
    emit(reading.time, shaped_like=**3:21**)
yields **5:00**
